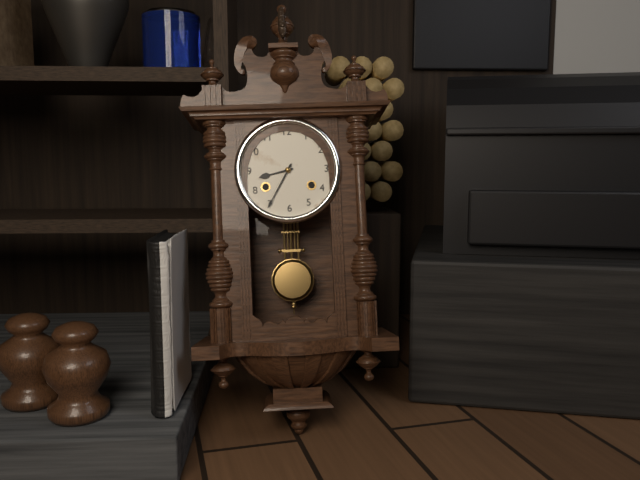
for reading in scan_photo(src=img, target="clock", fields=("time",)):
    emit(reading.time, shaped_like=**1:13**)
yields **8:35**
